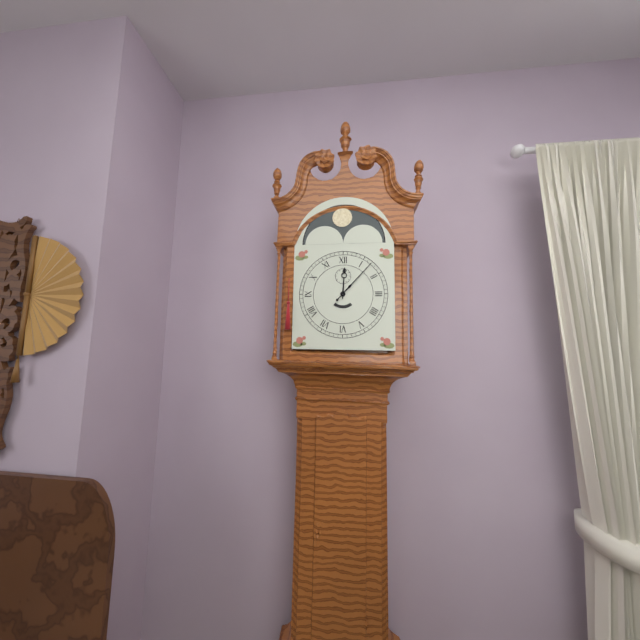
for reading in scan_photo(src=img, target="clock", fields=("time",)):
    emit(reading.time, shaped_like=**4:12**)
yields **12:07**
